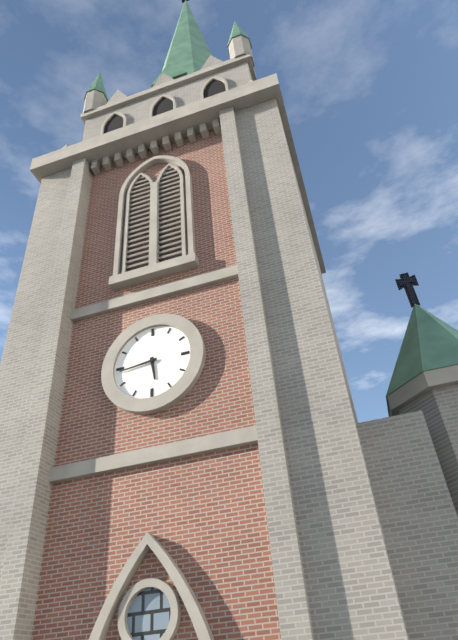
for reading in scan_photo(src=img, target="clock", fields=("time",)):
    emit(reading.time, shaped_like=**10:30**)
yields **5:44**
